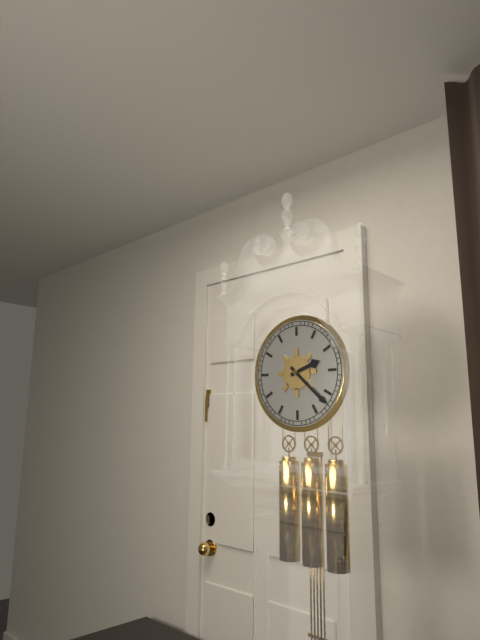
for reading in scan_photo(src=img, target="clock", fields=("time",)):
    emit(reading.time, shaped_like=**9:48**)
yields **2:22**
